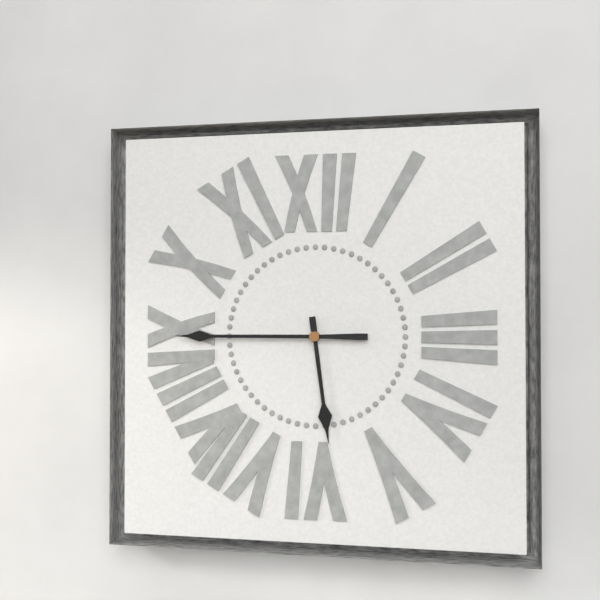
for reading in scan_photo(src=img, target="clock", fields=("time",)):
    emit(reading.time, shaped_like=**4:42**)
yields **5:45**
